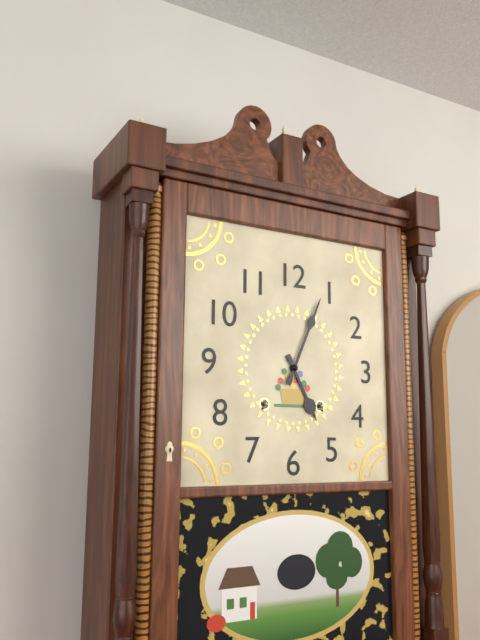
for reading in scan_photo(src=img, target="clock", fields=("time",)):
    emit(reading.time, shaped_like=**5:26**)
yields **5:04**
